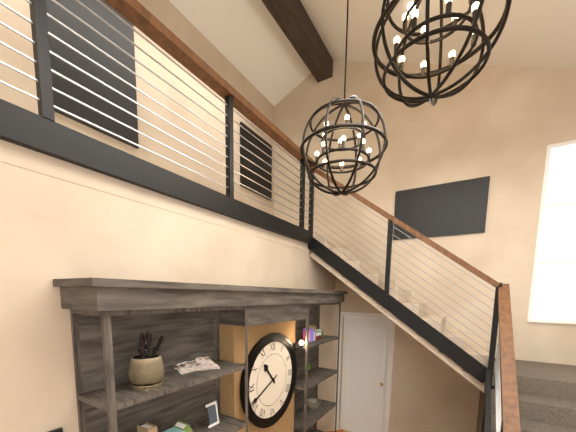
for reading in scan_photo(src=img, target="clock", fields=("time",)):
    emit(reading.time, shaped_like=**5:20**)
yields **10:41**
